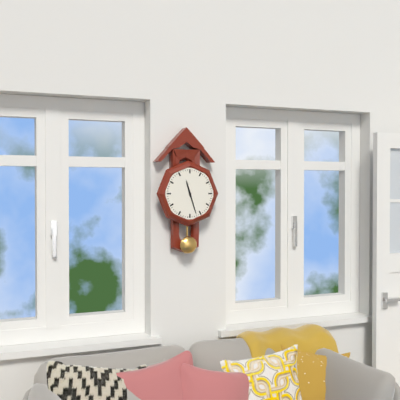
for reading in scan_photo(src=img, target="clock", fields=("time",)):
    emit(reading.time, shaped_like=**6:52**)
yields **11:27**
